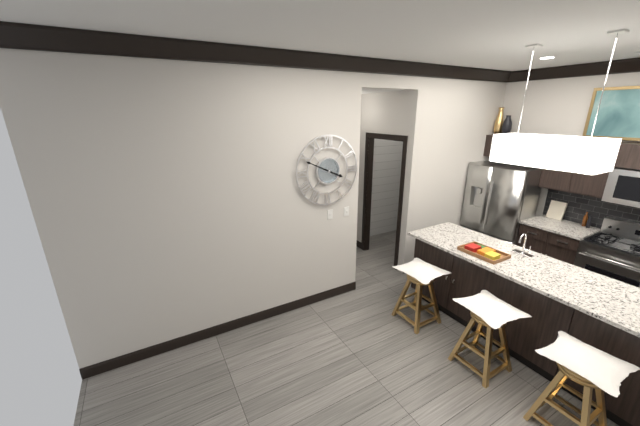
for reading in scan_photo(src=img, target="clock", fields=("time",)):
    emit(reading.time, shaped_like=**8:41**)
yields **3:49**
